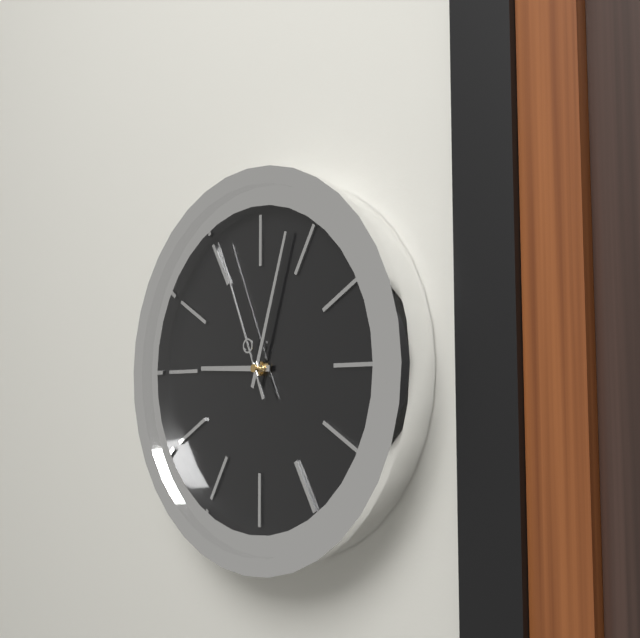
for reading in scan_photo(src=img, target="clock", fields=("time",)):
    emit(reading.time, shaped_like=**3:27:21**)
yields **9:03:56**
